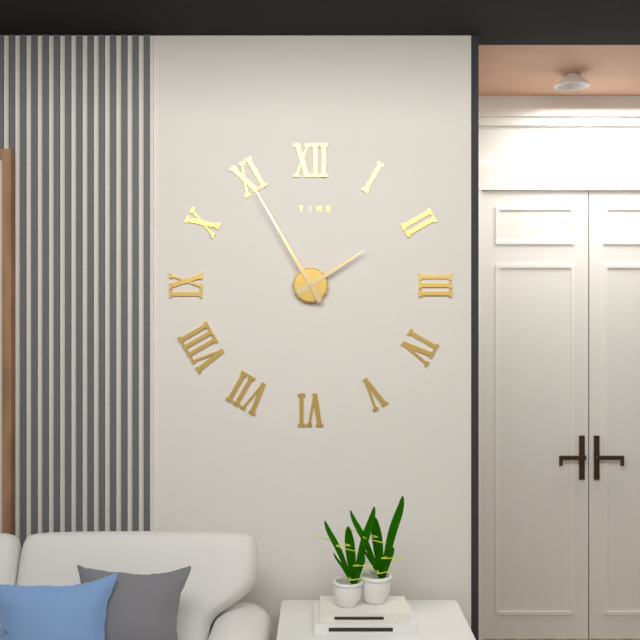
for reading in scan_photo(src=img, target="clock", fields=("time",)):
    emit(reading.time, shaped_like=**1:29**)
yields **1:55**
